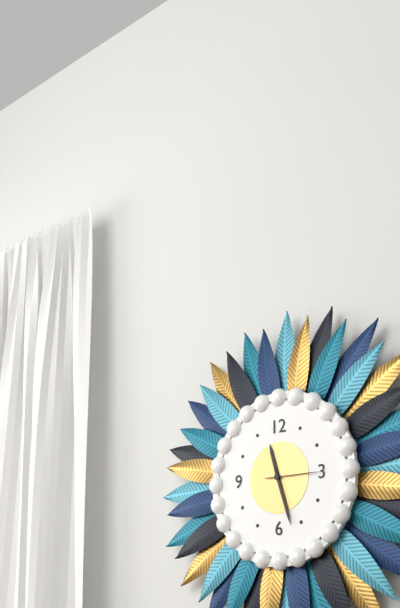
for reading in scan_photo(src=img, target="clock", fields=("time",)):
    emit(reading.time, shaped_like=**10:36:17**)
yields **11:27:15**
